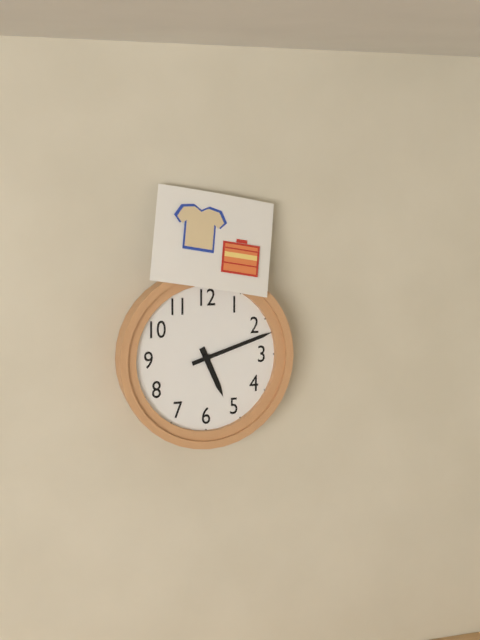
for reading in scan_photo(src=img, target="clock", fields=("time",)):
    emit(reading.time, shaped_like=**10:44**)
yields **5:12**
